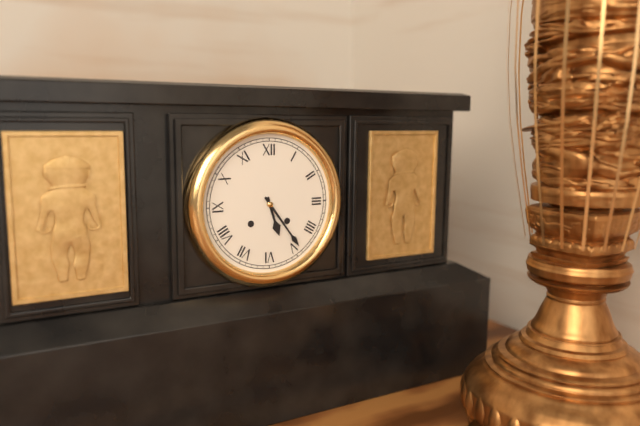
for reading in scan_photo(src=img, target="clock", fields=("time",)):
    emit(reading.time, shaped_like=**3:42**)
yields **5:24**
